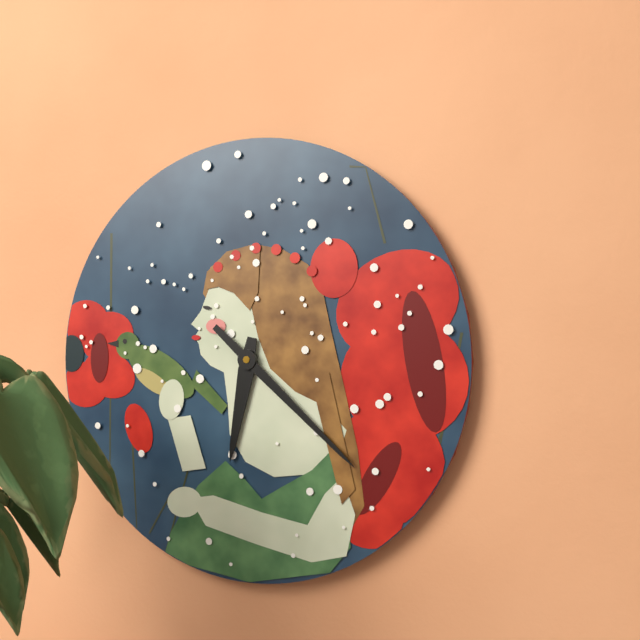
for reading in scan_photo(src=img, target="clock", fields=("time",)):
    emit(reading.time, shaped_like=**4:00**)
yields **6:22**
